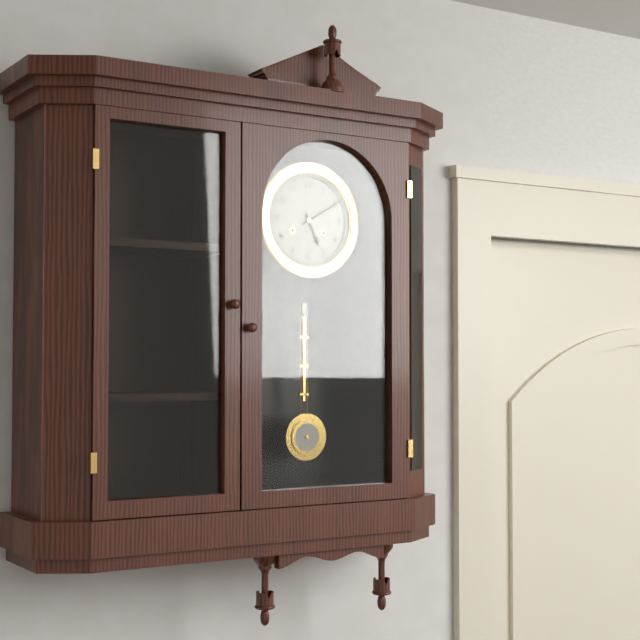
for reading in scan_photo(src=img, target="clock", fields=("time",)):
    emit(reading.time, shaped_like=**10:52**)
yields **5:10**
